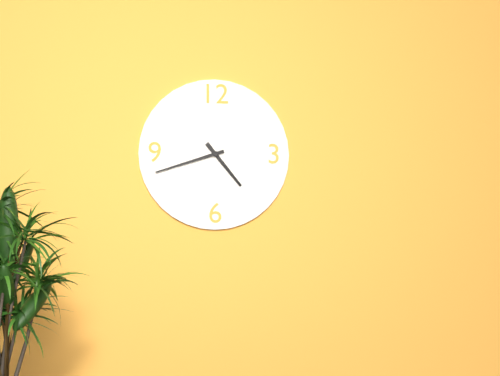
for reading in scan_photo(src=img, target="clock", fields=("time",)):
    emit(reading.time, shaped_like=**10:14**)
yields **4:42**
